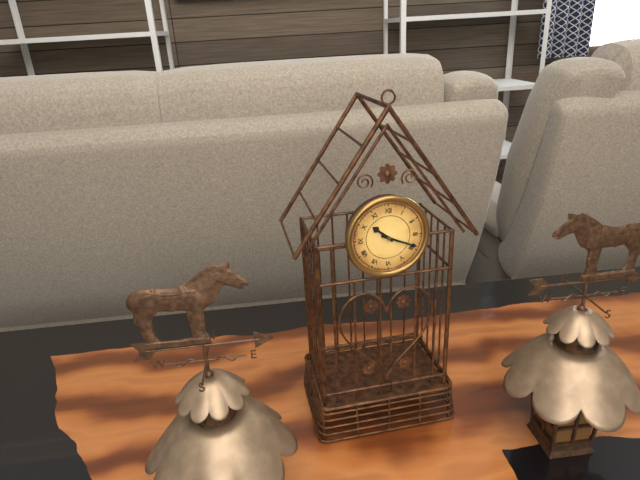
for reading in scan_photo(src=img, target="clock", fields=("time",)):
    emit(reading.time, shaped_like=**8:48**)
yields **10:19**
